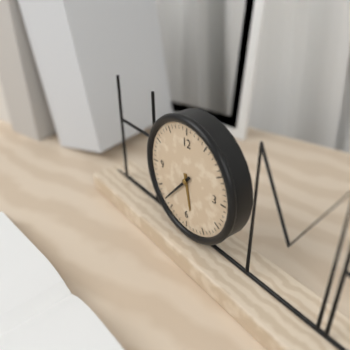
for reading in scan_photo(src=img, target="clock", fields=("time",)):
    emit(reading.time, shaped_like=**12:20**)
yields **5:37**
